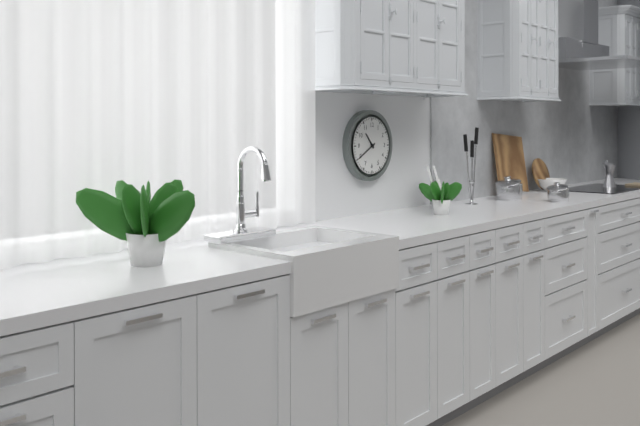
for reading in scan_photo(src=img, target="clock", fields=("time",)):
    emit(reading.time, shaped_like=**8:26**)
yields **10:40**
